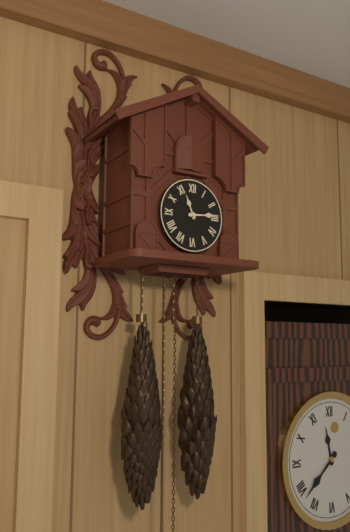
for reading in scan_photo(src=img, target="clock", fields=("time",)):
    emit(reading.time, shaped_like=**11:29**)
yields **11:14**
